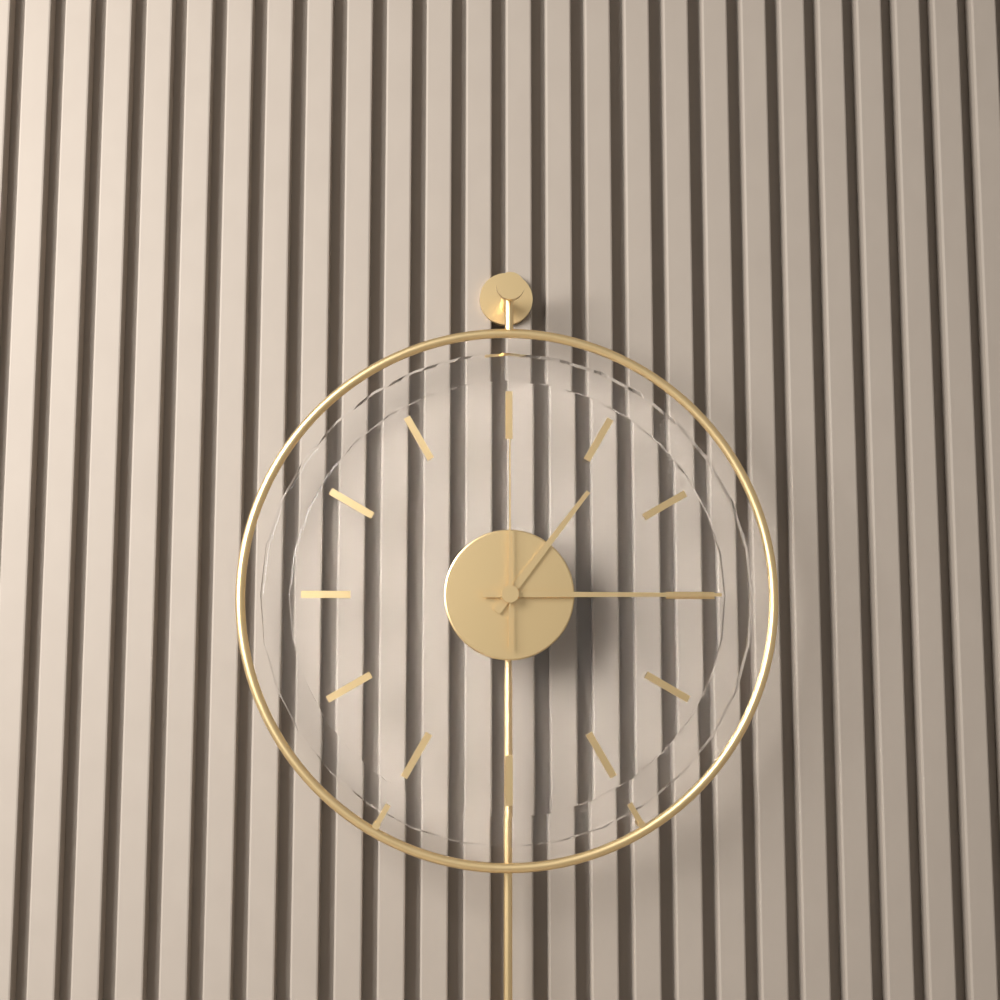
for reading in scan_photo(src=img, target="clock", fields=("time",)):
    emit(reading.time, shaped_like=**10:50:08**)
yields **1:15:00**
